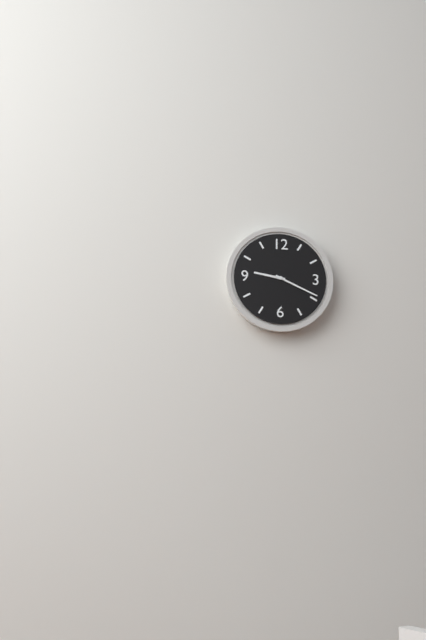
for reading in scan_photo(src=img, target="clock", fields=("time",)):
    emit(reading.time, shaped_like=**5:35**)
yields **9:19**
